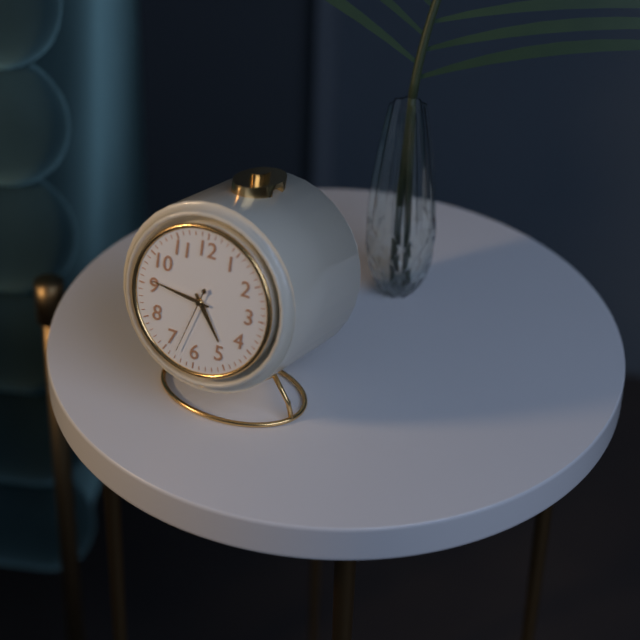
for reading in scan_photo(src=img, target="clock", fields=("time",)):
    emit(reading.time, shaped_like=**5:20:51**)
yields **4:46:33**
